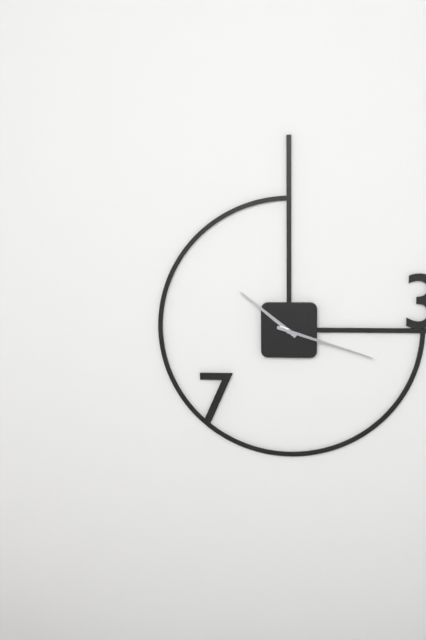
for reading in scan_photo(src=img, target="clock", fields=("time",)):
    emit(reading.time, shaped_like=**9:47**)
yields **10:18**
